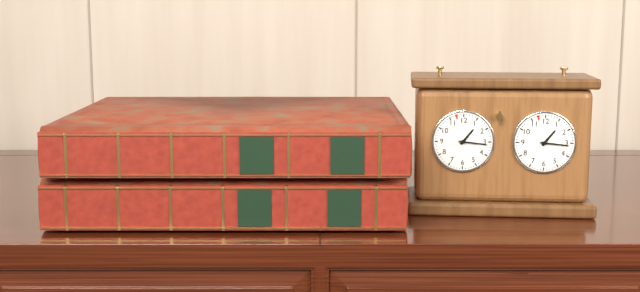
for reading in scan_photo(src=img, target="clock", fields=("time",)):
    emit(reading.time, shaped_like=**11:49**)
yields **1:16**
